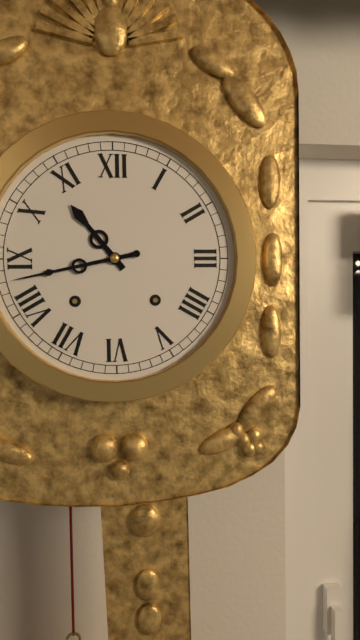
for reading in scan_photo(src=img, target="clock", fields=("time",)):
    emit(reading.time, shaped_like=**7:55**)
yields **10:43**
